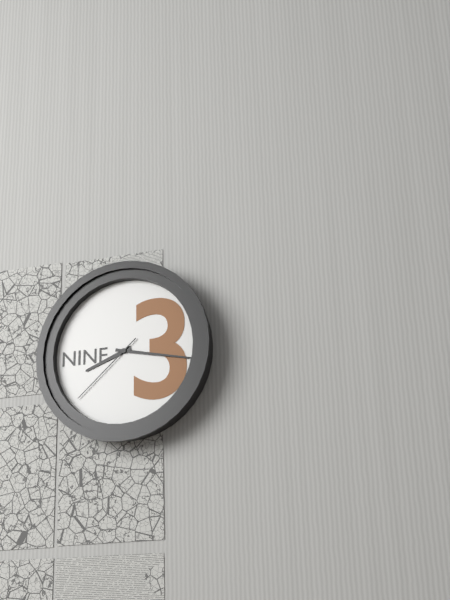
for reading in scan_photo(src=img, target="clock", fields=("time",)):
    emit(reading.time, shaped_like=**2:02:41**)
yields **8:17:38**
